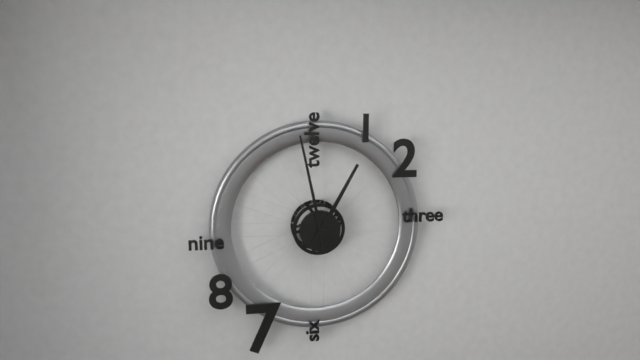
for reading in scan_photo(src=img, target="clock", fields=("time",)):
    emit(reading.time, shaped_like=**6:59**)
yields **12:58**
